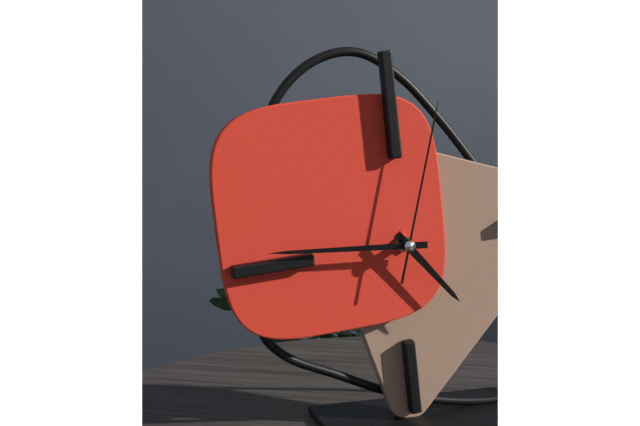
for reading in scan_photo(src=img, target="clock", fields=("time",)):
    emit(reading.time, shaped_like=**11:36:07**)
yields **4:46:03**
